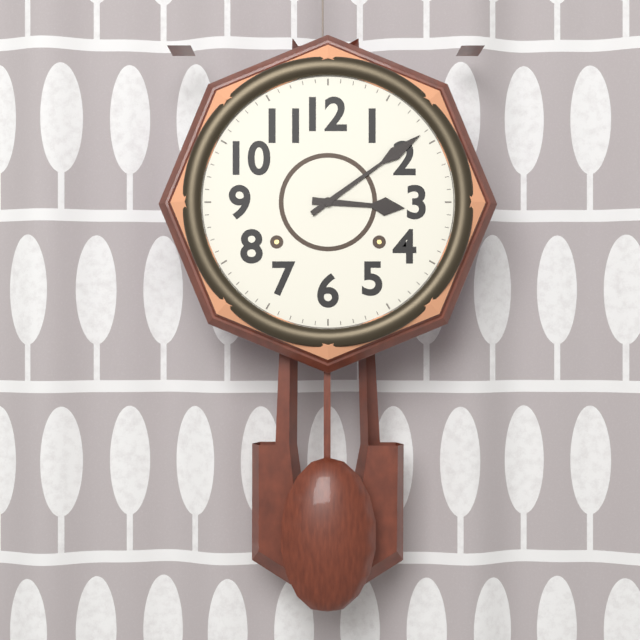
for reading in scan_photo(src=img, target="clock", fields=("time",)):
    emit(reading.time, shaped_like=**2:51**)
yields **3:09**
